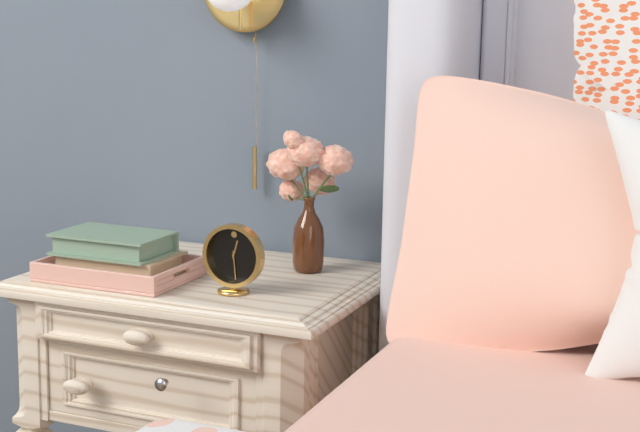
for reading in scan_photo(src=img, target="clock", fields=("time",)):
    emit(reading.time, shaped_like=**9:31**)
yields **12:29**
